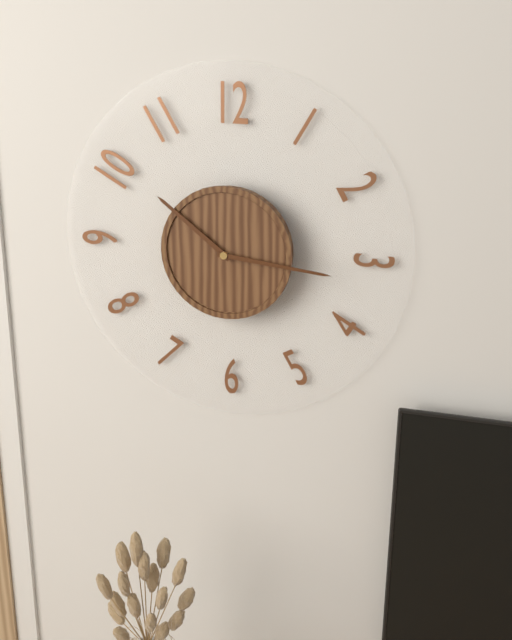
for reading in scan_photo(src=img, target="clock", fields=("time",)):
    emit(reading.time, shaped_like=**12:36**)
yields **10:16**
